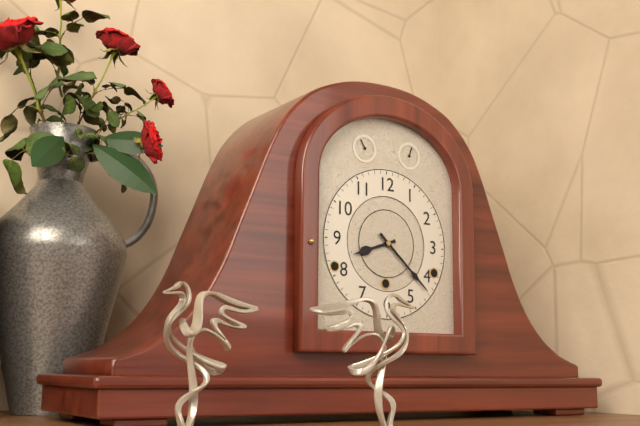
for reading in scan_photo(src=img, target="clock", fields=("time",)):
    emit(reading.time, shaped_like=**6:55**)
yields **8:22**
